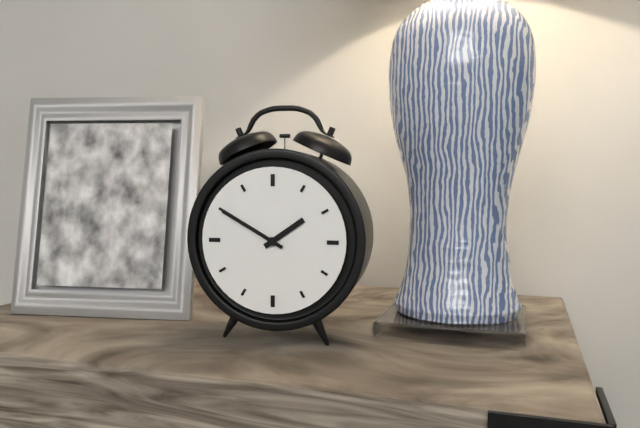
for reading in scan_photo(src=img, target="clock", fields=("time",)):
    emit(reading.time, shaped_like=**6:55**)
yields **1:50**
